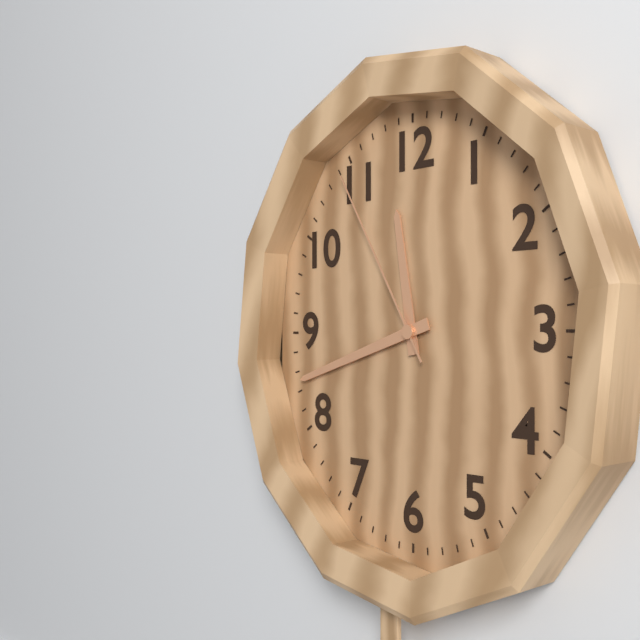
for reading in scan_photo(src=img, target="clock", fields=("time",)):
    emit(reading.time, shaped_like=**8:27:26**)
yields **11:42:55**
